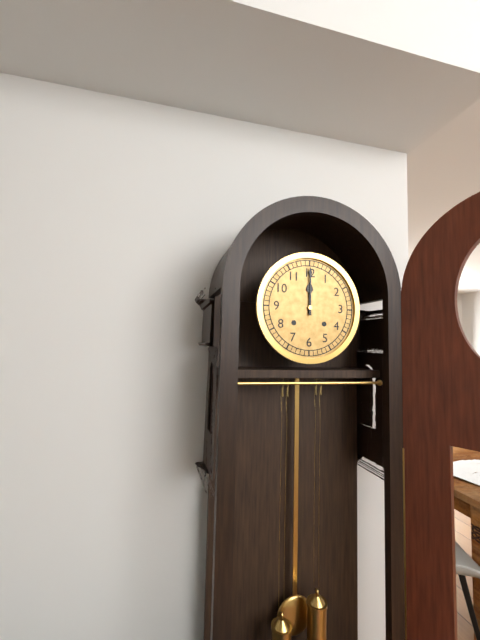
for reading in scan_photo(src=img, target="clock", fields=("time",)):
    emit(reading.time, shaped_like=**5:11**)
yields **12:00**
